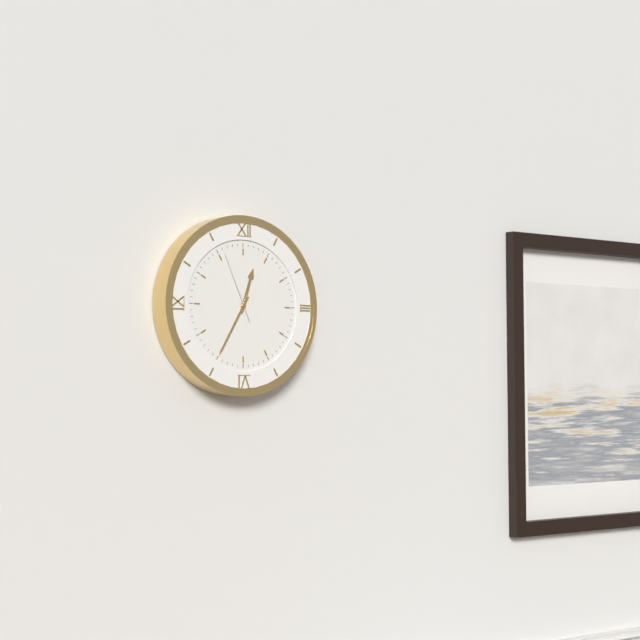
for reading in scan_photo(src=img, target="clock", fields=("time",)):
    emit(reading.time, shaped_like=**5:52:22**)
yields **12:35:56**
